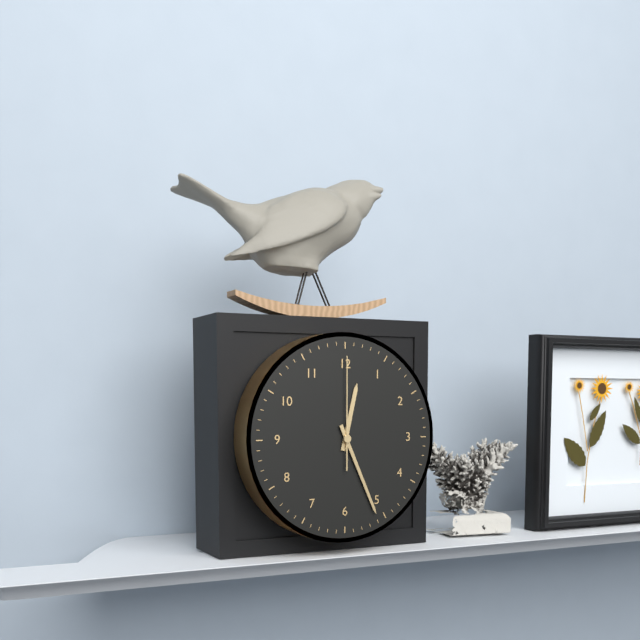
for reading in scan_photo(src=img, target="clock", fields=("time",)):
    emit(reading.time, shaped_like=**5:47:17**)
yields **12:26:00**
